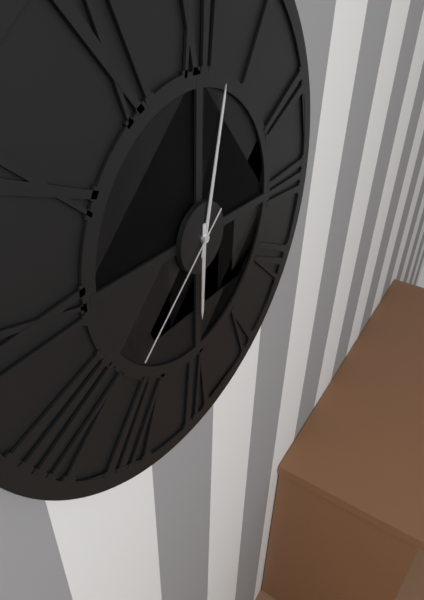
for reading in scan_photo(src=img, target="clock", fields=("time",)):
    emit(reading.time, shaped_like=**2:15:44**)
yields **6:02:38**
